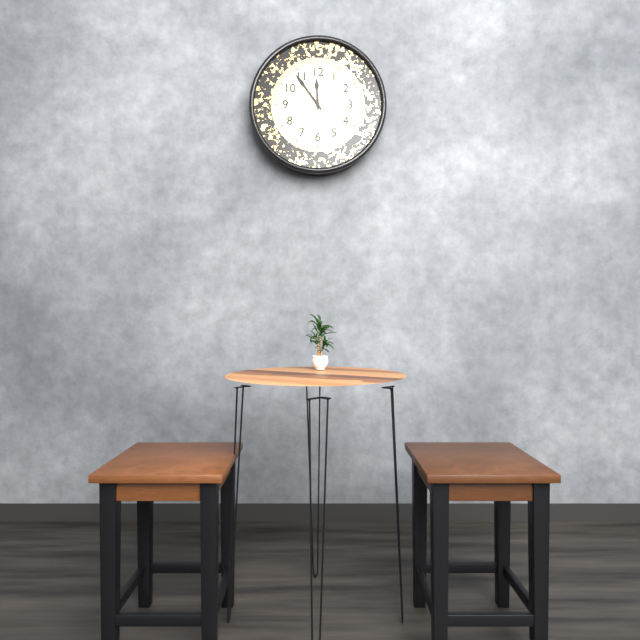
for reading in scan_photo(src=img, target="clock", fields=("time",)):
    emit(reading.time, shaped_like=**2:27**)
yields **11:54**
